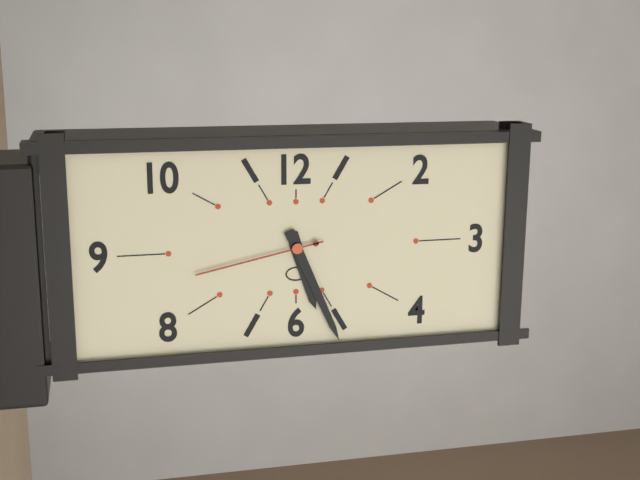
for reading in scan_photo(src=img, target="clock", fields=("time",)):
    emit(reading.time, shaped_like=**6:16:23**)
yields **5:26:43**
